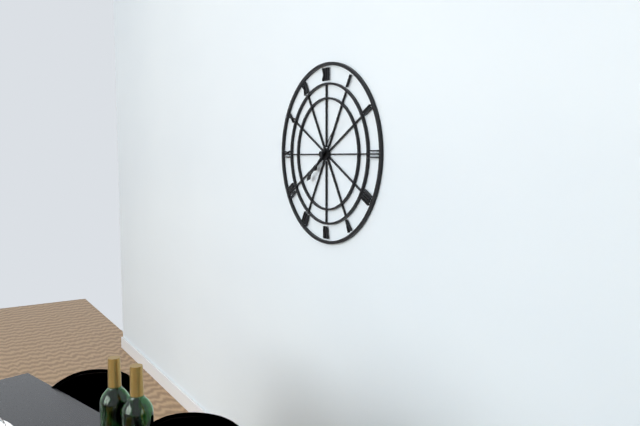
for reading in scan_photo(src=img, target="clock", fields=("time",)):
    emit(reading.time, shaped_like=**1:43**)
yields **7:38**
